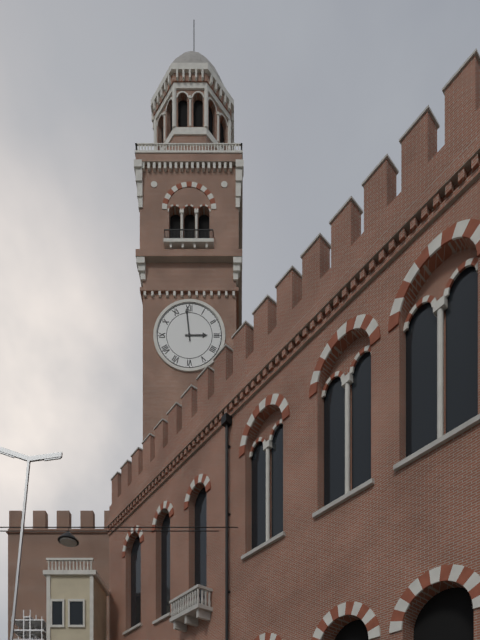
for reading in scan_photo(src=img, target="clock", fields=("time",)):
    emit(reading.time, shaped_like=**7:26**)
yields **2:59**
